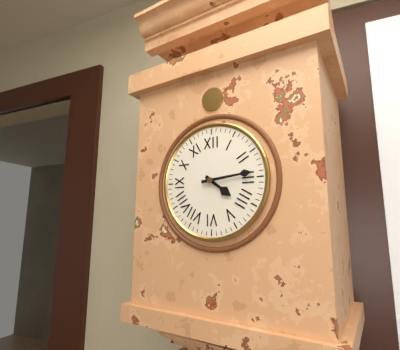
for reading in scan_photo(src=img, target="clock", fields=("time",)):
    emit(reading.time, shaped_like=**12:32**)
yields **4:14**
